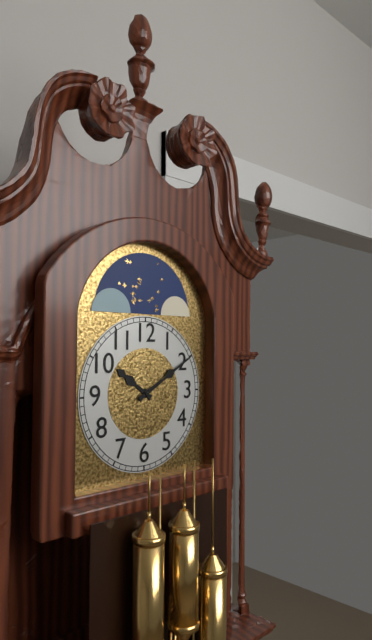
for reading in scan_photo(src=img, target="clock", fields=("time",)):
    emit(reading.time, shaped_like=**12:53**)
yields **10:10**
